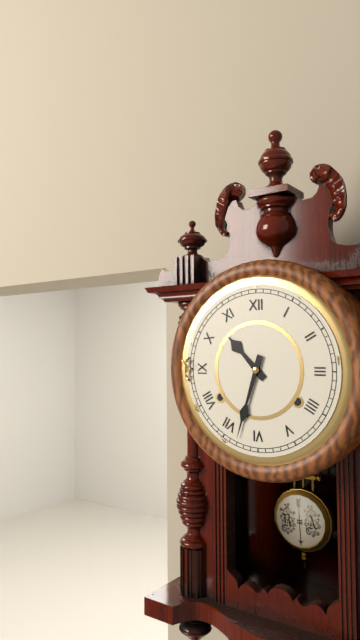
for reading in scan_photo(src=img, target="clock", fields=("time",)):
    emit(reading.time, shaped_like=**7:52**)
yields **10:33**
